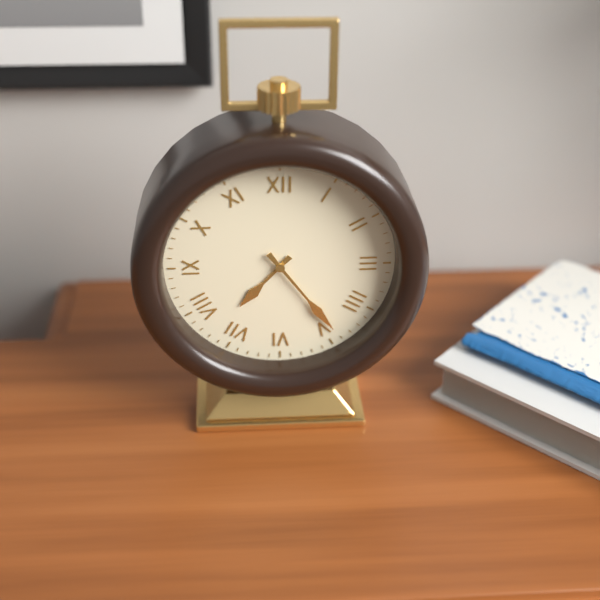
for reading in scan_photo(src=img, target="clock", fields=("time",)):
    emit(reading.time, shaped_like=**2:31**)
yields **7:24**
